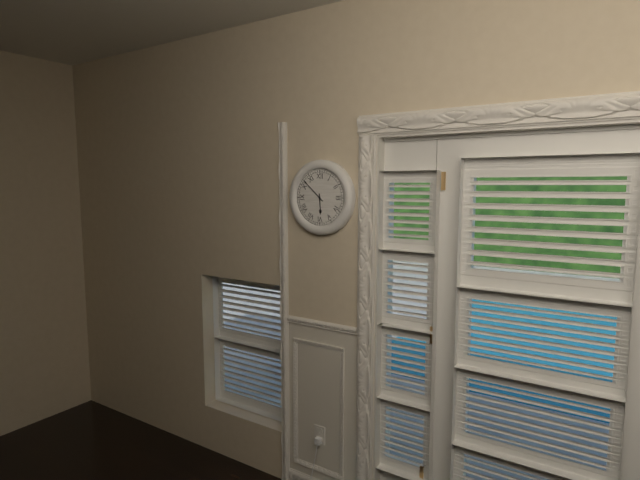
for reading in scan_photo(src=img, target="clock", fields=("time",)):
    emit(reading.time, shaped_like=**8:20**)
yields **5:52**
